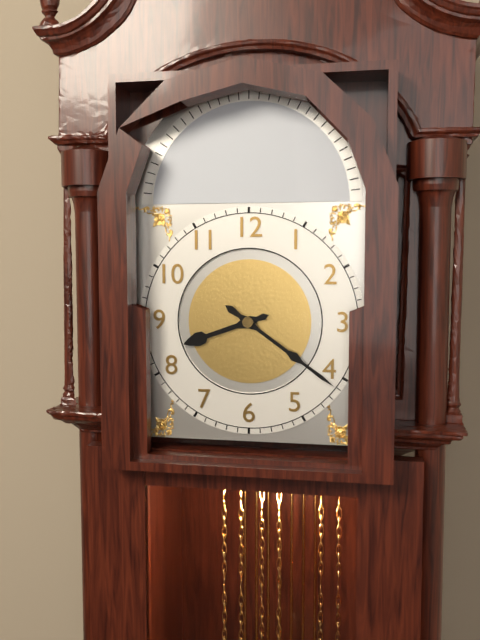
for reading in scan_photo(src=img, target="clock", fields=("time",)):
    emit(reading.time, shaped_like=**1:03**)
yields **8:21**
